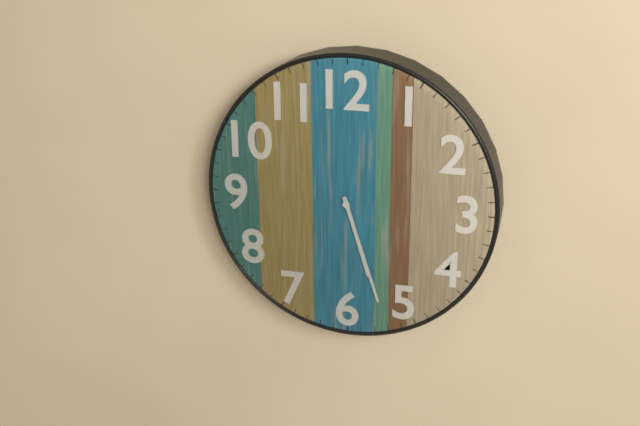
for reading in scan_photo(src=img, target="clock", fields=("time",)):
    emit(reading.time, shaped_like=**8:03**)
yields **5:27**
